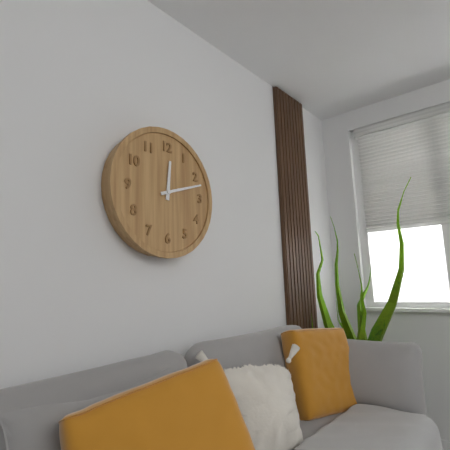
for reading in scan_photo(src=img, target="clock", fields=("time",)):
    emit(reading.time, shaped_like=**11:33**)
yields **12:12**
